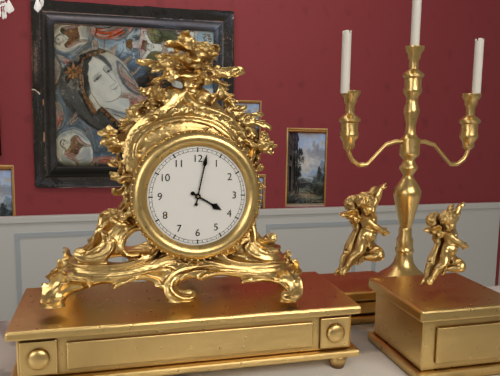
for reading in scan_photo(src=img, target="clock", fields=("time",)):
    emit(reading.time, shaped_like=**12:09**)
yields **4:02**
